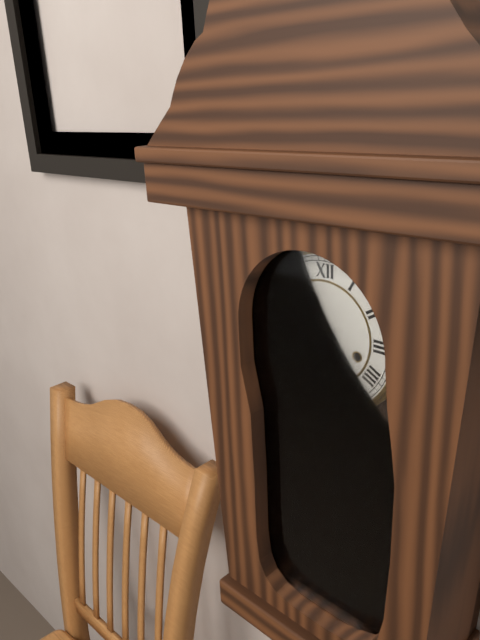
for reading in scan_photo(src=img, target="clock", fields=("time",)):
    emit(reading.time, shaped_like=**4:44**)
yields **10:48**
